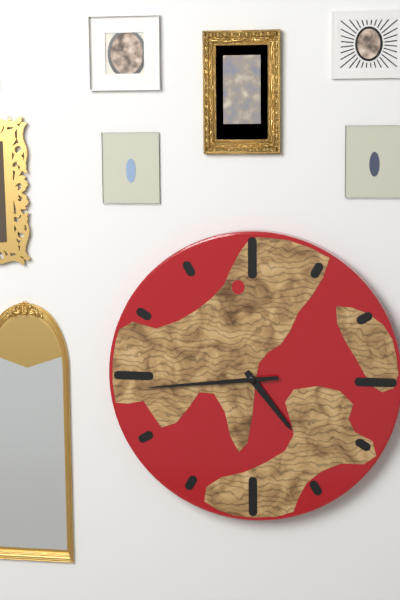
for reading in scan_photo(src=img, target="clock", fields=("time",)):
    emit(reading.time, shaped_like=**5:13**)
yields **4:44**
